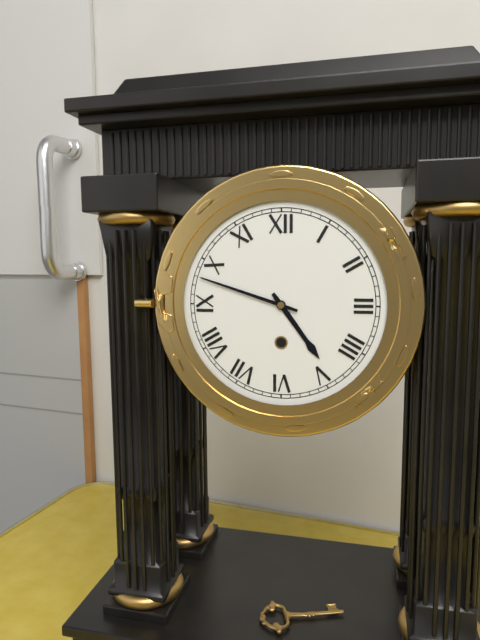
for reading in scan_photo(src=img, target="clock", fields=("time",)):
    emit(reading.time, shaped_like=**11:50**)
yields **4:48**
